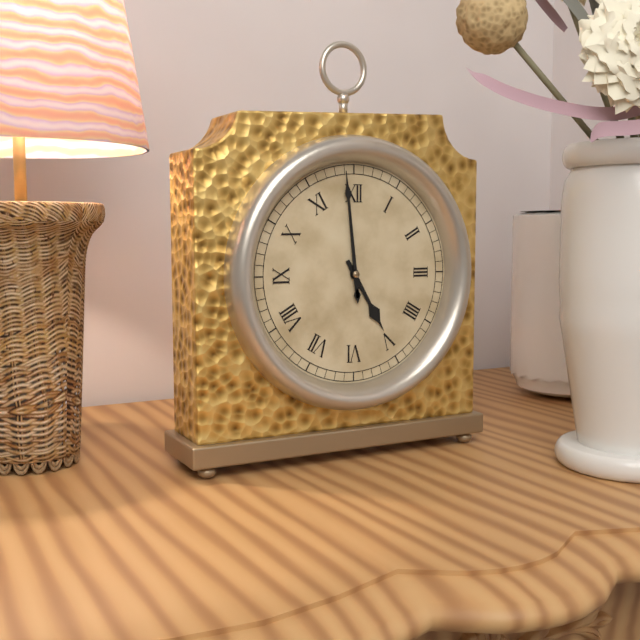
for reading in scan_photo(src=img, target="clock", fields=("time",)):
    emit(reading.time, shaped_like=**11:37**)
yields **4:59**
